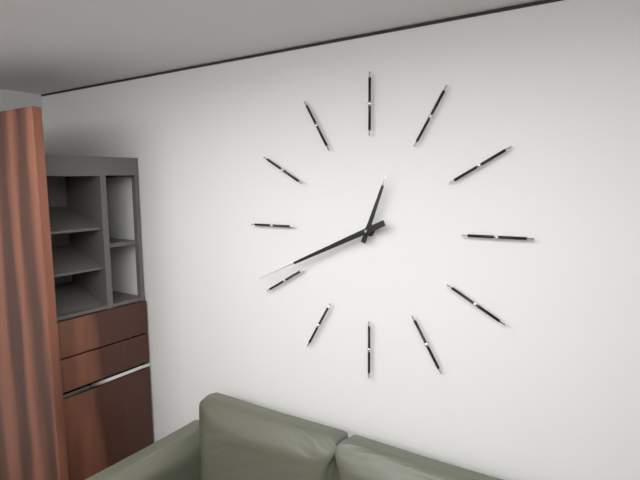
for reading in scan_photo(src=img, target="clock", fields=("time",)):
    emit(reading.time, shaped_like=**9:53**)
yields **12:41**
